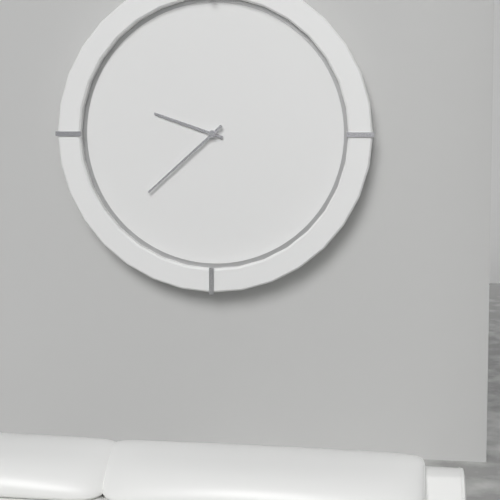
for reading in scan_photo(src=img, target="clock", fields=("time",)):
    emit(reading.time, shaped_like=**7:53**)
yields **9:38**
